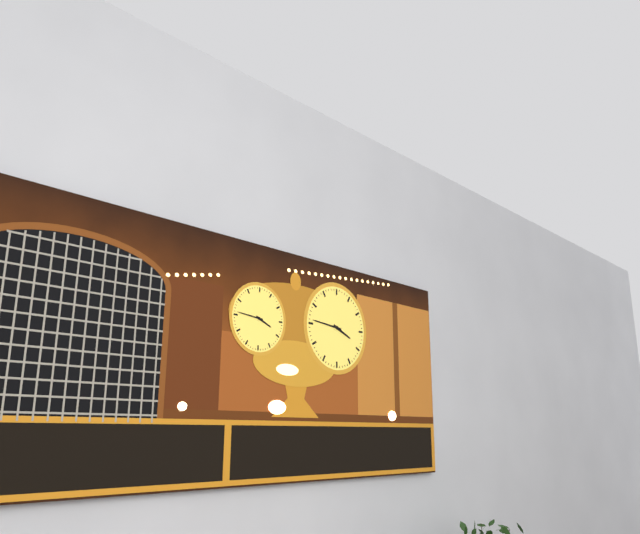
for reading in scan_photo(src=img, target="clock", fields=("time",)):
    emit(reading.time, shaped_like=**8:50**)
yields **3:46**
